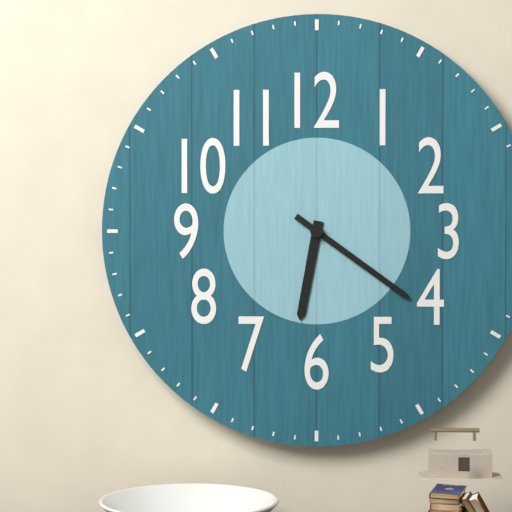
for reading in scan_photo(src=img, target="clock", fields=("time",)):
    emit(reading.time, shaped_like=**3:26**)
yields **6:21**
